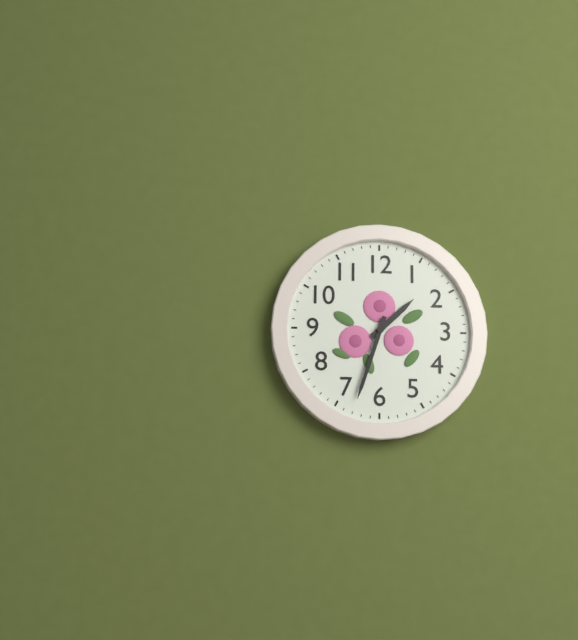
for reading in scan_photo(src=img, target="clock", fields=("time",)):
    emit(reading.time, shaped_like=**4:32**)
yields **1:33**
